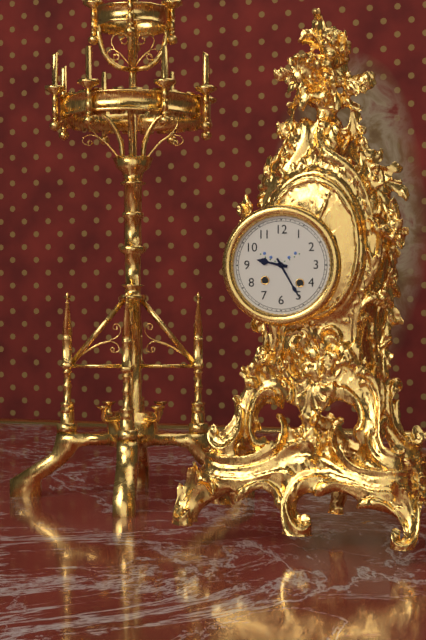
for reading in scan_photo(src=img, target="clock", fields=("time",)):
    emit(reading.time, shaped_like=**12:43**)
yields **9:25**
